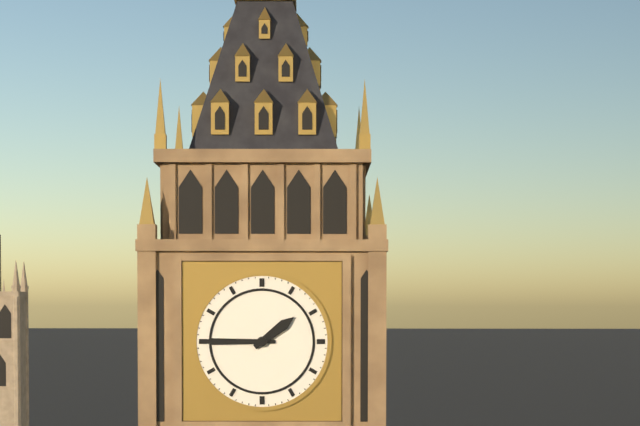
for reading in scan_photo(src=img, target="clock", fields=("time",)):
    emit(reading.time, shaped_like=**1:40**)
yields **1:45**
